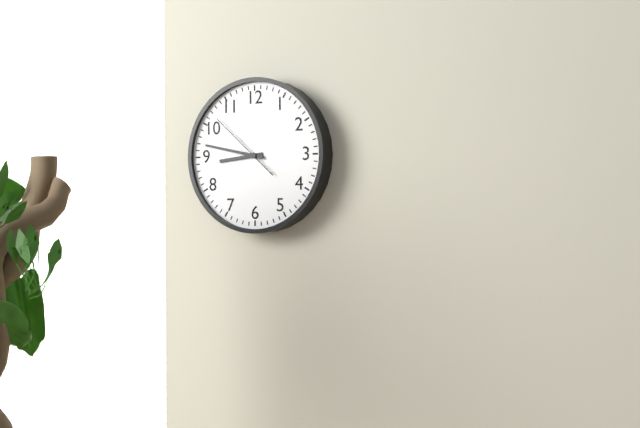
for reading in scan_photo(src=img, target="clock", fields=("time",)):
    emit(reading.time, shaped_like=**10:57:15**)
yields **8:47:52**
